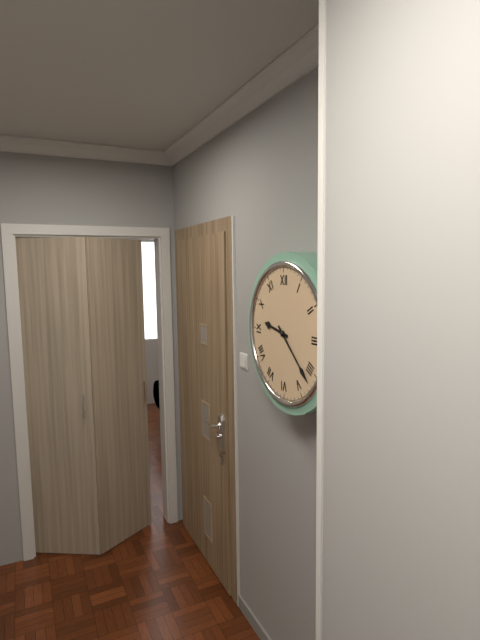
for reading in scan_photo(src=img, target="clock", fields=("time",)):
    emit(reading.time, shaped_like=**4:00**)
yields **9:22**
